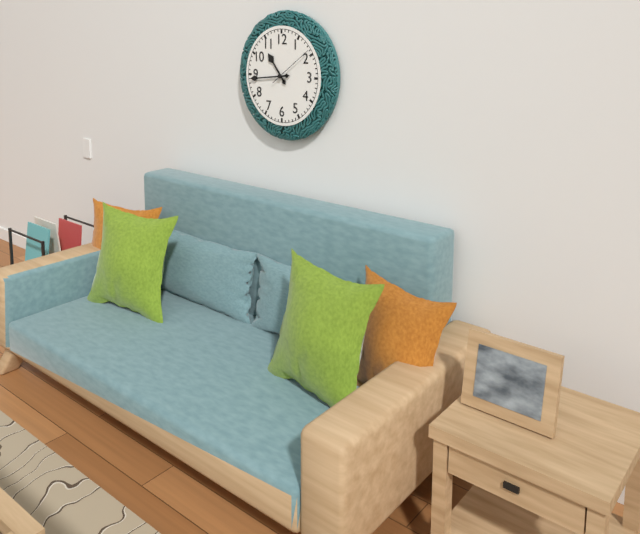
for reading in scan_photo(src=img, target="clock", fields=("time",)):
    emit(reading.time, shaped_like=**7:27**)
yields **10:44**
